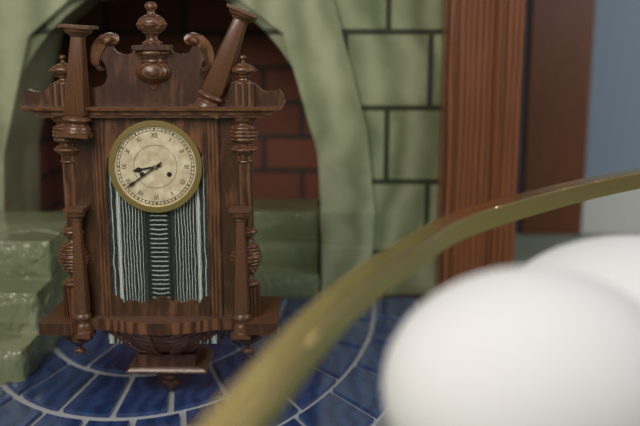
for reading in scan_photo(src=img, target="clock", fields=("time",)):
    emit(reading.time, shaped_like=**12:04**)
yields **8:39**
